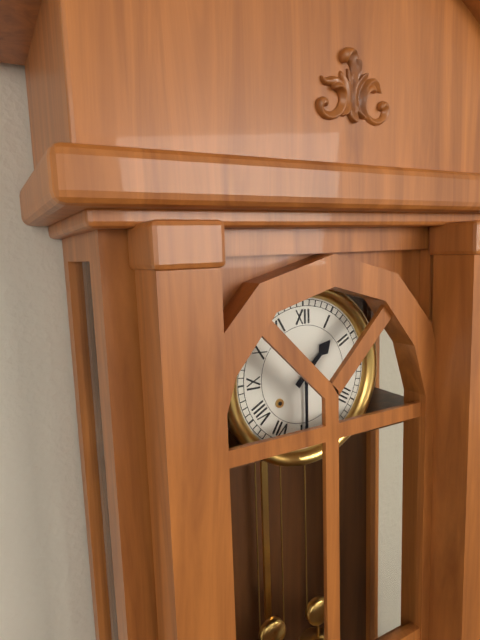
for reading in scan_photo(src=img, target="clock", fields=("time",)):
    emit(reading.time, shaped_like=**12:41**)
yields **1:30**
